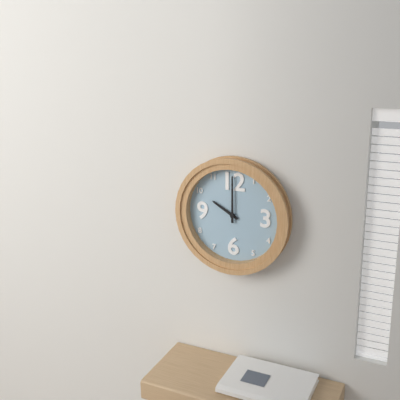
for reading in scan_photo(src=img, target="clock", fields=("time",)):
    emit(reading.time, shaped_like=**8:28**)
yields **10:00**
